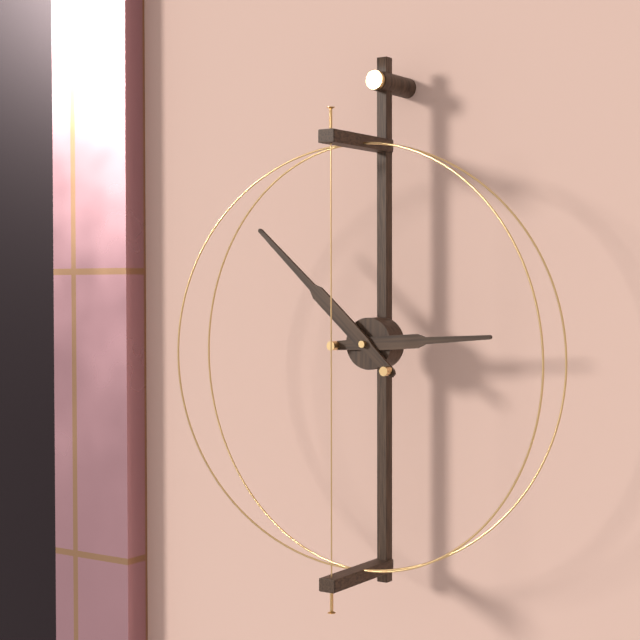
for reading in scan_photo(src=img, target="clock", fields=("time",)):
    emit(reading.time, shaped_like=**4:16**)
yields **2:52**
